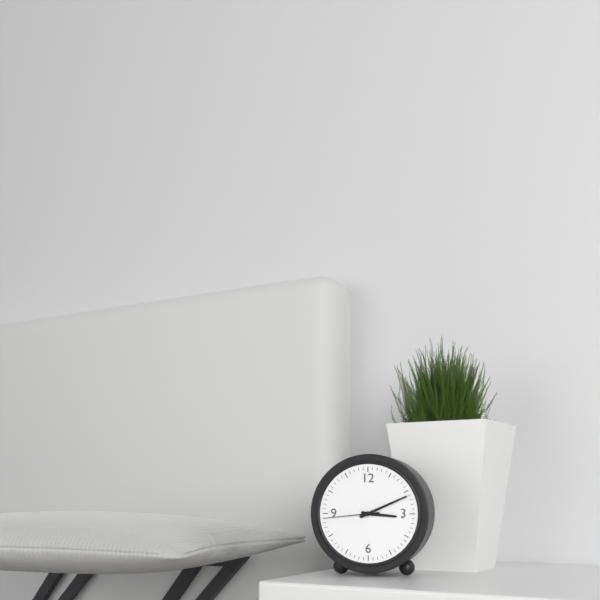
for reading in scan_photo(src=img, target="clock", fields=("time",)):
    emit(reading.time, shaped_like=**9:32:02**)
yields **3:11:44**
